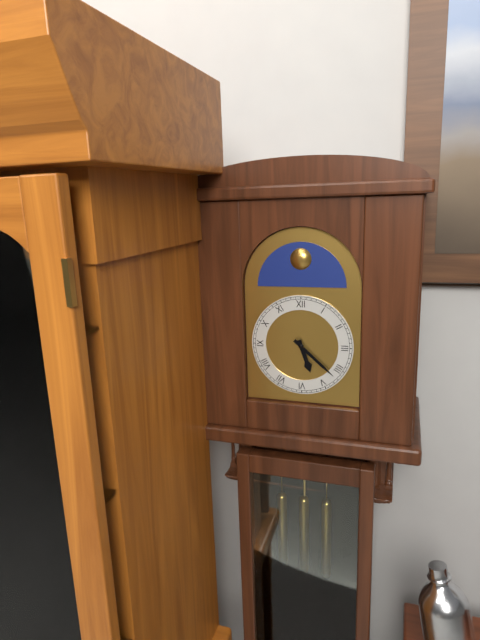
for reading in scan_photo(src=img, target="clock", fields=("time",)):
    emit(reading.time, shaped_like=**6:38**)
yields **5:22**
